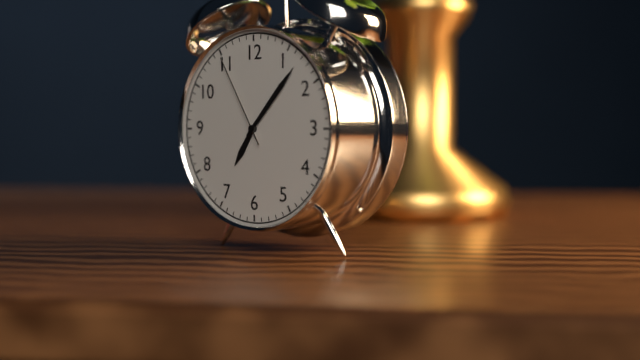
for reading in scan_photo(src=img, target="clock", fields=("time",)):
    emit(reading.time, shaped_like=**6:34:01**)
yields **7:07:55**
